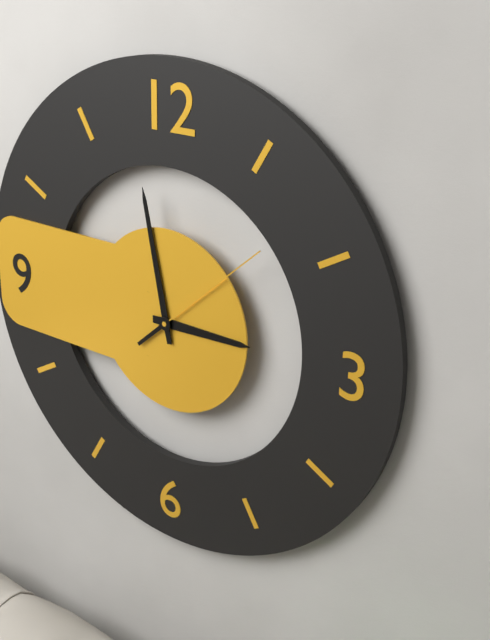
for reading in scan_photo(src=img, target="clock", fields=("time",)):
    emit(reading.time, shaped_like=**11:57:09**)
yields **2:58:08**
